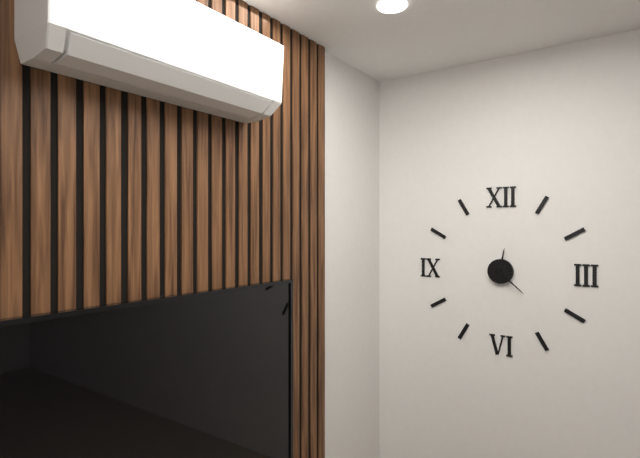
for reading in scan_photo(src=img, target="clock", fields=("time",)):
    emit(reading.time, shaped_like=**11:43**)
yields **12:22**
